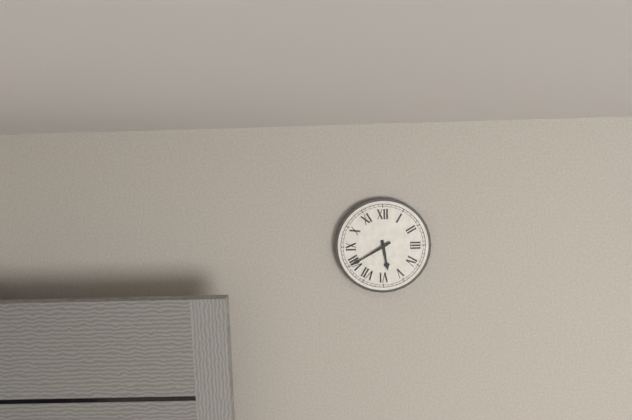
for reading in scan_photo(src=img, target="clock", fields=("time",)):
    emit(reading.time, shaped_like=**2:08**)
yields **5:40**
